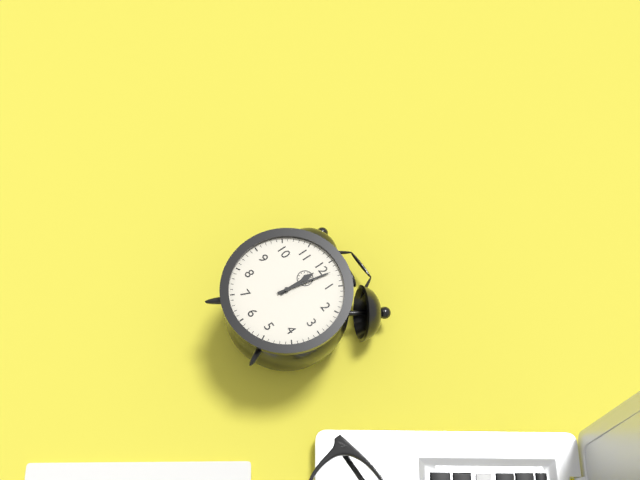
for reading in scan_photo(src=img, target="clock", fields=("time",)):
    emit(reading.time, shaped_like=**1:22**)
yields **12:02**
